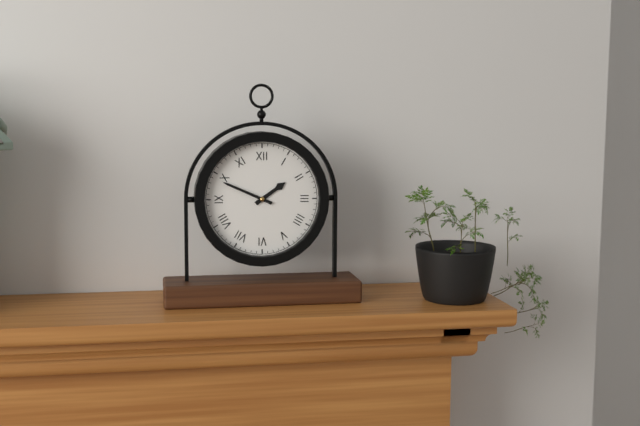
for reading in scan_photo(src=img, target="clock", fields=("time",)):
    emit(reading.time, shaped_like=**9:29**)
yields **1:49**
